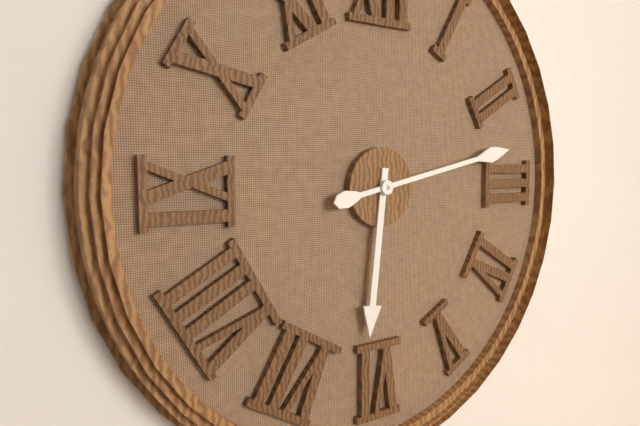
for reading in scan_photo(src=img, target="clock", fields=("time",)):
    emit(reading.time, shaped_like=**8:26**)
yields **6:13**
